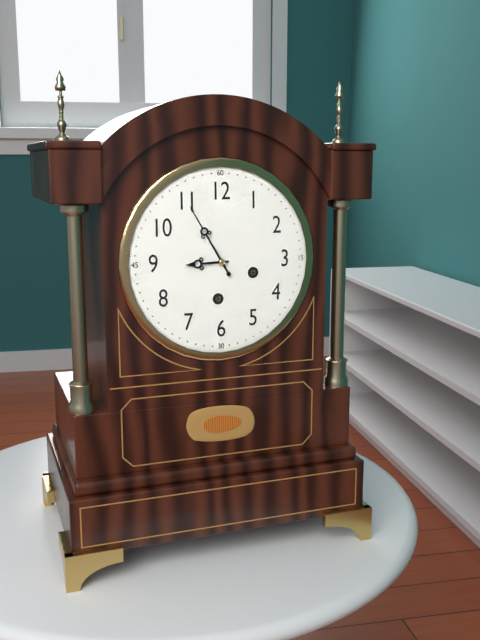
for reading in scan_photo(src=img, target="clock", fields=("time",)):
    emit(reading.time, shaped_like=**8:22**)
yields **8:55**
